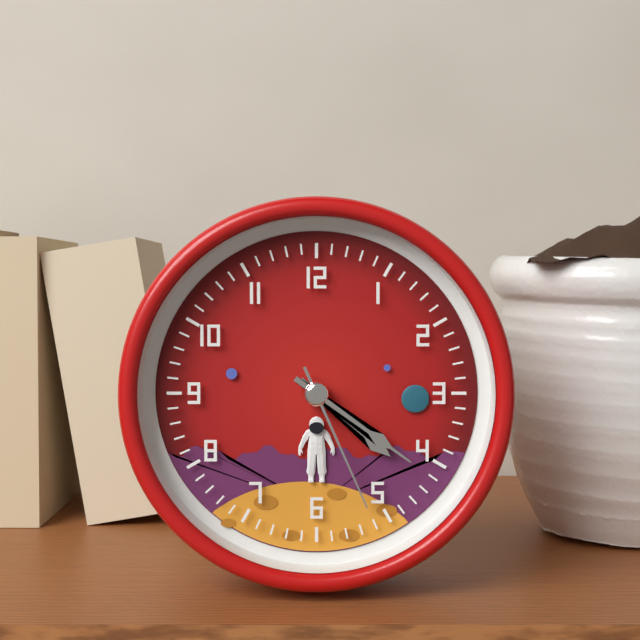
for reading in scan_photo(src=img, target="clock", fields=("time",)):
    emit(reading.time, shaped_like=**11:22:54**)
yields **4:21:26**
